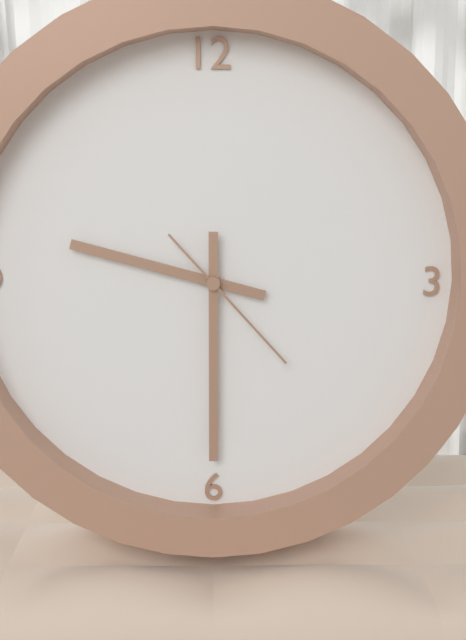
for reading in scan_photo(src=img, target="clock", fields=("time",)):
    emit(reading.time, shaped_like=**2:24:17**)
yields **9:30:23**
